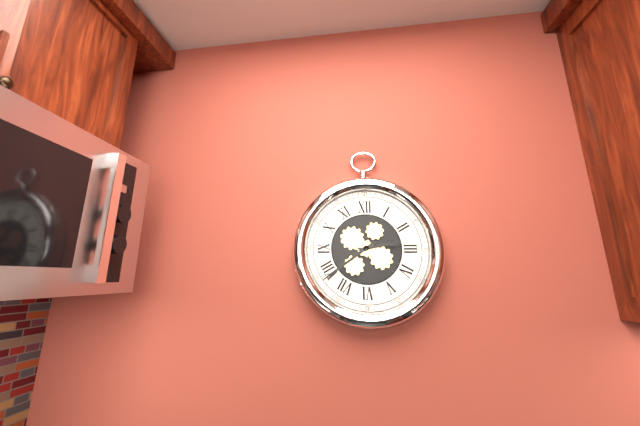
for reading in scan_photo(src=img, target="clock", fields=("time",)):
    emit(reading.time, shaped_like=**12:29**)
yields **2:39**
